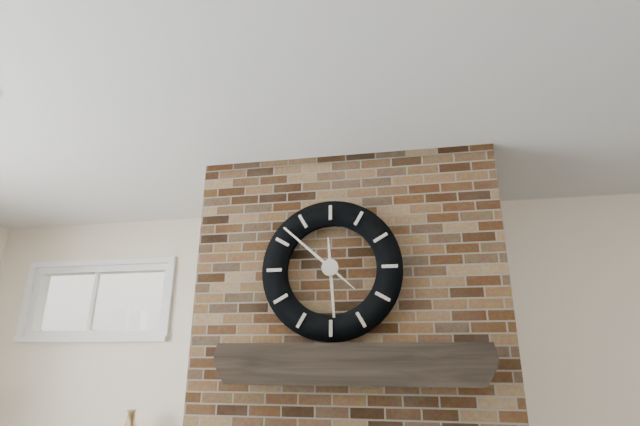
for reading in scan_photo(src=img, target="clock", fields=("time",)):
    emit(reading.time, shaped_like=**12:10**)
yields **5:52**
